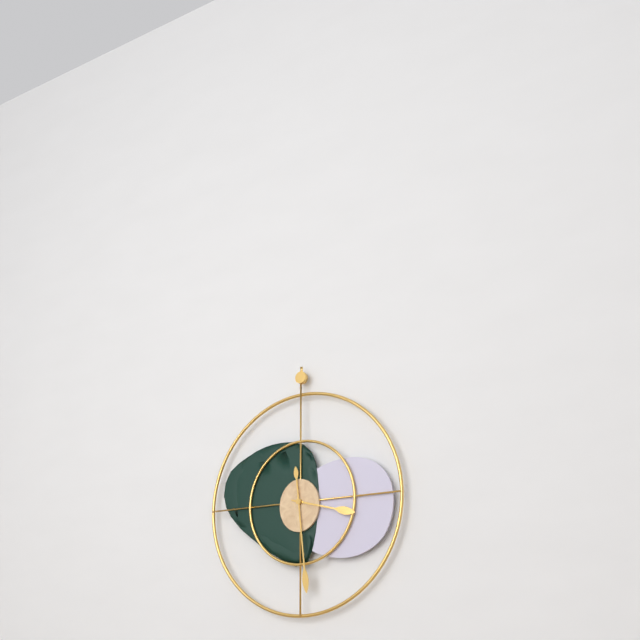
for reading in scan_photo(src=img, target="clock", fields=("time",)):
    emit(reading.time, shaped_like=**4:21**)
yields **3:29**
